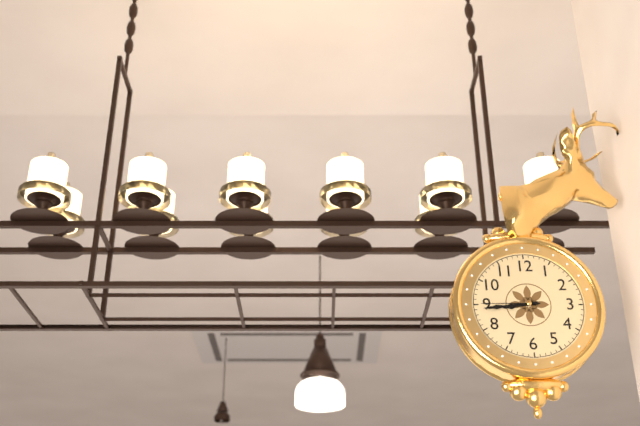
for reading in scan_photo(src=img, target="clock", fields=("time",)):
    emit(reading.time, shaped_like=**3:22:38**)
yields **8:44:45**
